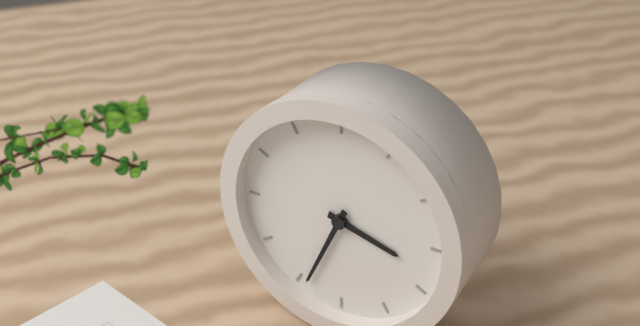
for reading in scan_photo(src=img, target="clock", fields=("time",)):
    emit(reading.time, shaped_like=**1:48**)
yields **3:34**
